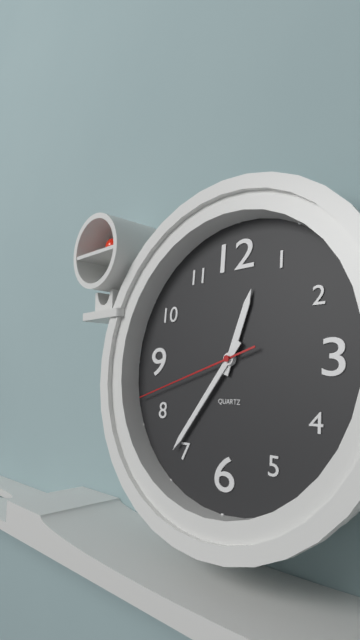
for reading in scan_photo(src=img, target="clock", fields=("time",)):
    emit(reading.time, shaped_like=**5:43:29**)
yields **12:36:42**
